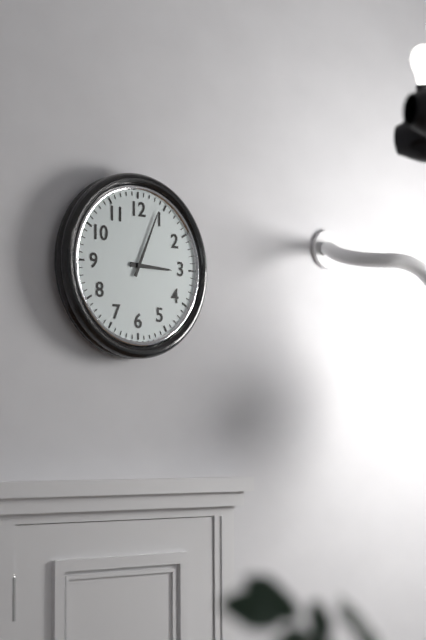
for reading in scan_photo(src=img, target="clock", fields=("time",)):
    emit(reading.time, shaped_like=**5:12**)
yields **3:04**
